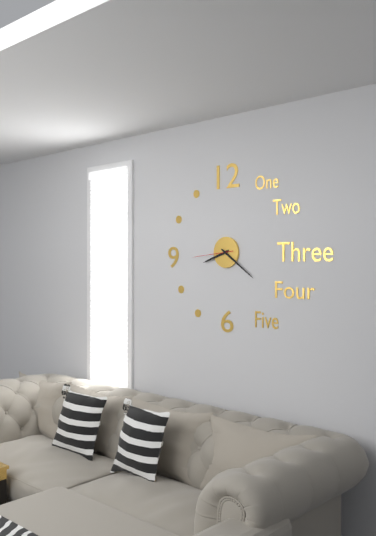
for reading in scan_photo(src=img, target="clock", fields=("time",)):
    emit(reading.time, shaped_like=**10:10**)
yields **8:21**
